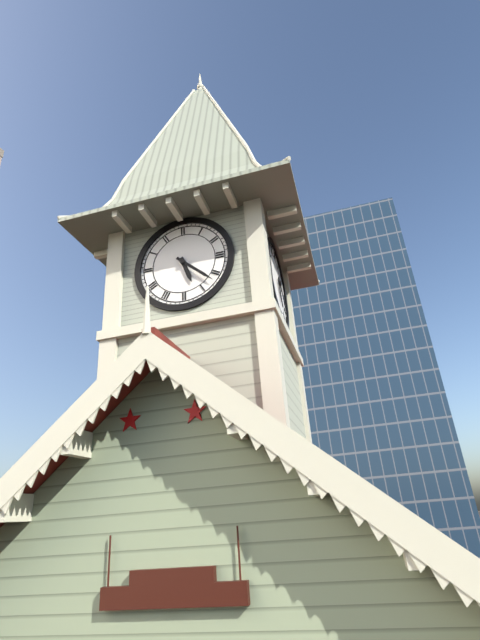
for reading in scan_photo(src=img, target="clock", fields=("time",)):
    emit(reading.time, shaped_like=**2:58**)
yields **5:22**
